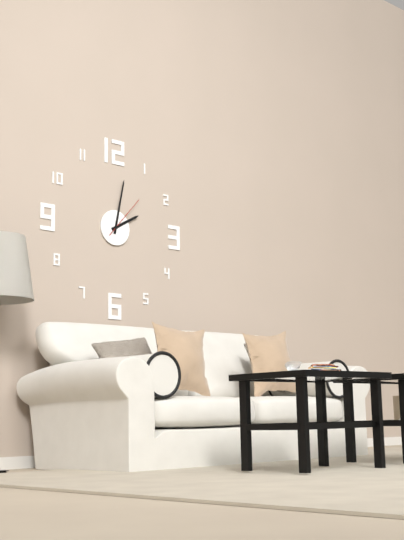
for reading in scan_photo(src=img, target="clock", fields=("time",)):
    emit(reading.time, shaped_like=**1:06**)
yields **2:02**
